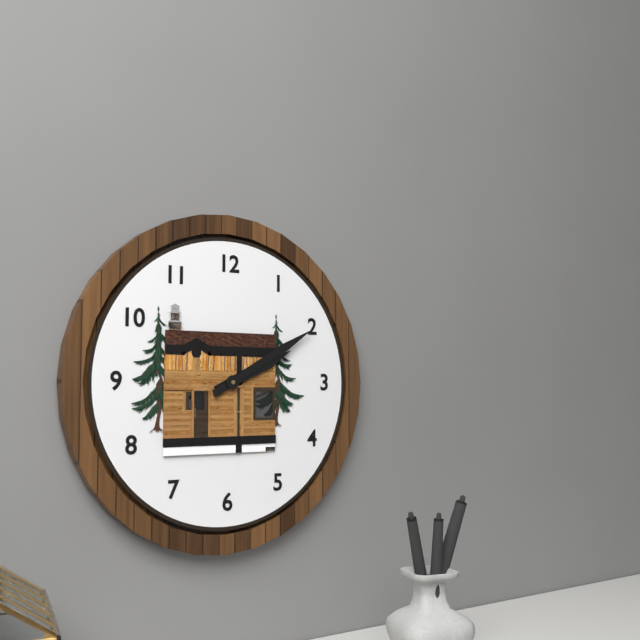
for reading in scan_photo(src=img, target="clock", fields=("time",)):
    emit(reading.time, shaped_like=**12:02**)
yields **2:10**
